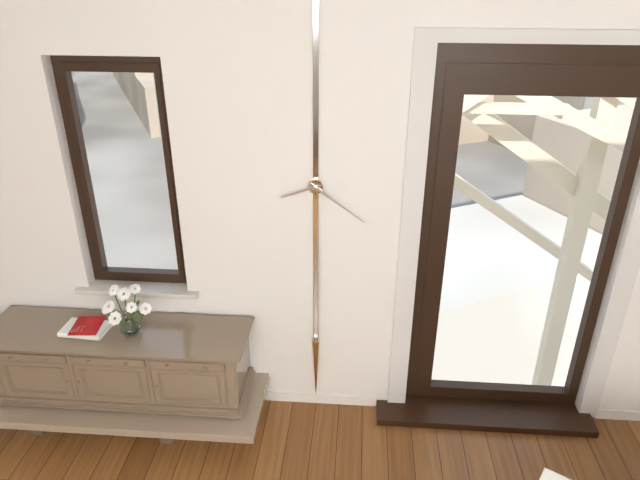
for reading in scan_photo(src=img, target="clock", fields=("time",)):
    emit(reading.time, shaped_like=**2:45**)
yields **8:21**
